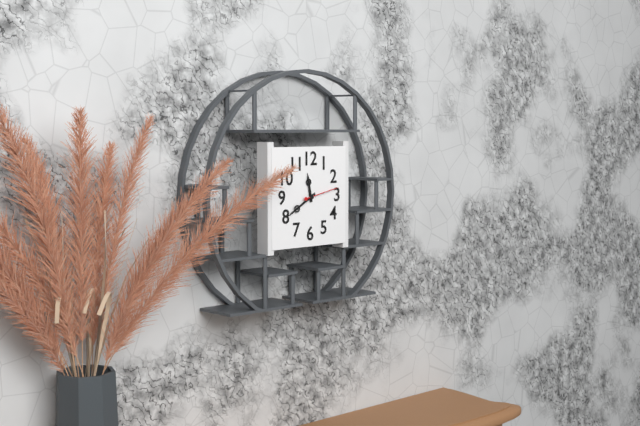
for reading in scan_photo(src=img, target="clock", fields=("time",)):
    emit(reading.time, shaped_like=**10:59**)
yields **11:40**
